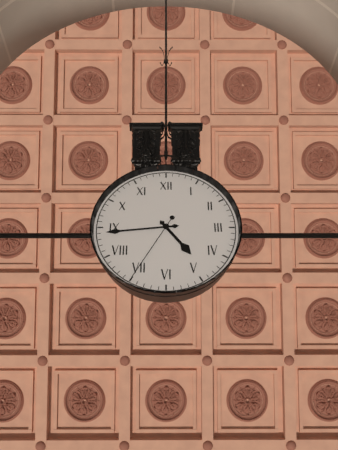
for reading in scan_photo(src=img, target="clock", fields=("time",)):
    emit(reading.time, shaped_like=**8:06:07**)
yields **4:44:35**
